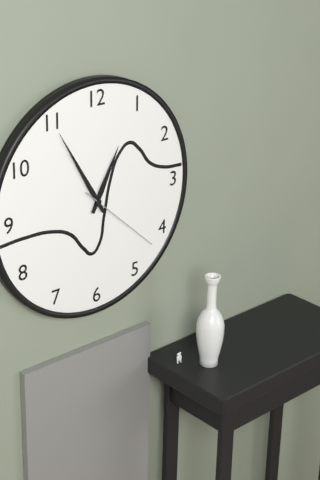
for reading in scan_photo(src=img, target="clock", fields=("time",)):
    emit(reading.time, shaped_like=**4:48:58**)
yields **12:55:22**
